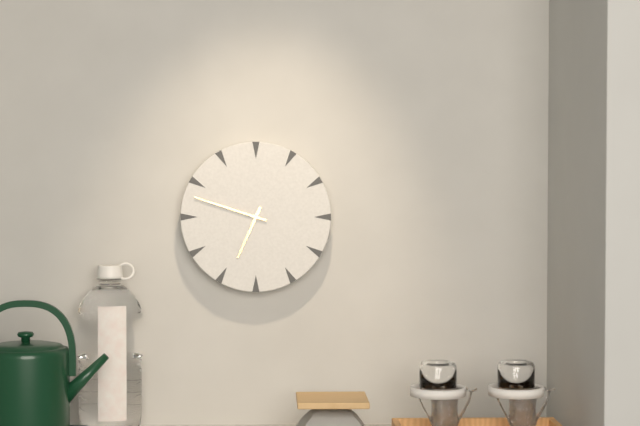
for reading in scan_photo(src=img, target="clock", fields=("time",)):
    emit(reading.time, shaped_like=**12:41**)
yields **6:48**
